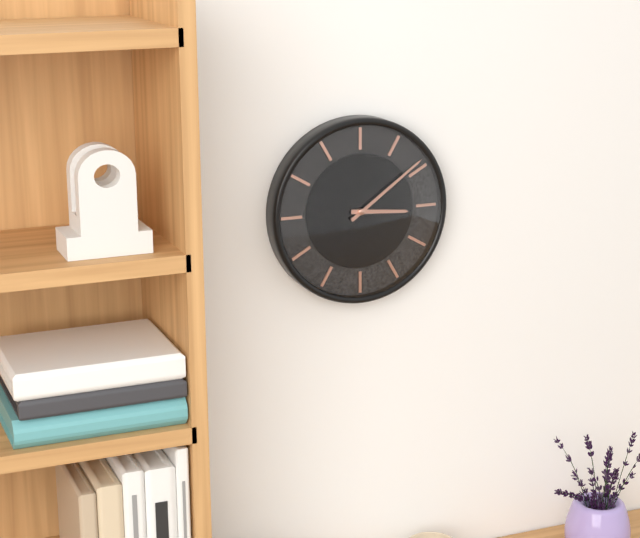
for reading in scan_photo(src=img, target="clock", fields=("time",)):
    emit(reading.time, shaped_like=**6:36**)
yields **3:09**
